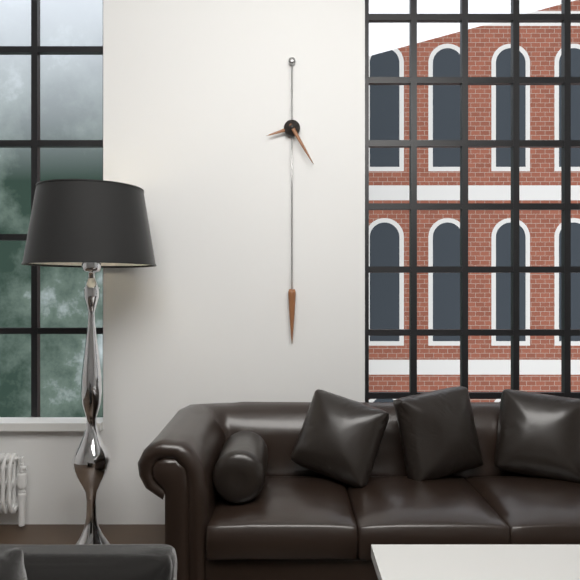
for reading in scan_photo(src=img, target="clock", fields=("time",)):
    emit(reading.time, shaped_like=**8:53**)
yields **8:25**
